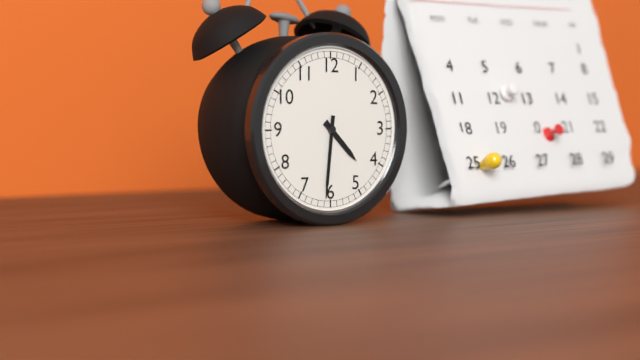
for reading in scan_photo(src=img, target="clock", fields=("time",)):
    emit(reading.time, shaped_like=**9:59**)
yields **4:31**
